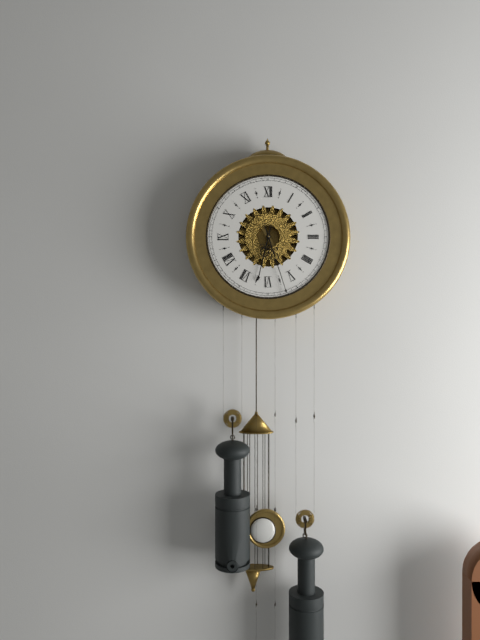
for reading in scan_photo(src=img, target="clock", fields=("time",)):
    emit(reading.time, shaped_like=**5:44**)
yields **6:27**
